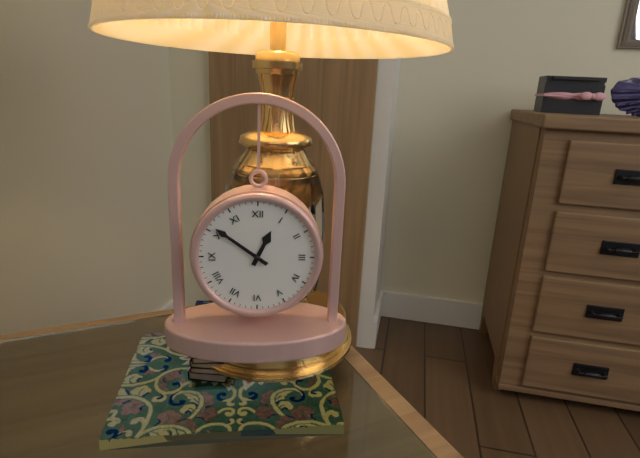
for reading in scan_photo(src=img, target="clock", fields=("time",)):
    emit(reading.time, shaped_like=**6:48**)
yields **12:51**
